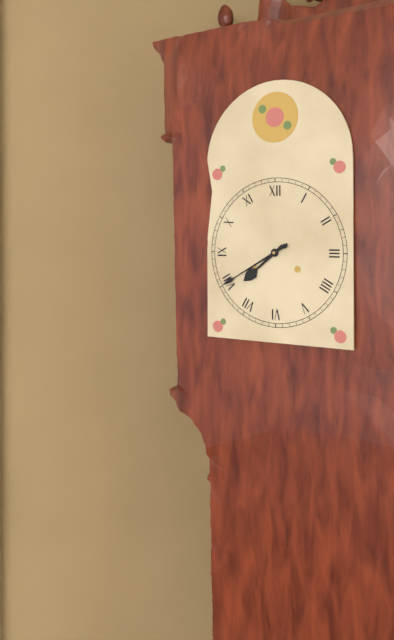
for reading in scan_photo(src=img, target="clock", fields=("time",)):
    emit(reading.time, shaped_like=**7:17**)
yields **7:40**
